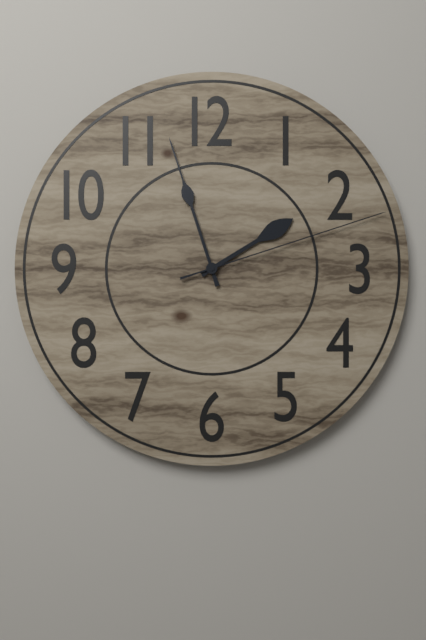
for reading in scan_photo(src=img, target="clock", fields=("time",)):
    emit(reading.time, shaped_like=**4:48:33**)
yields **1:57:12**
